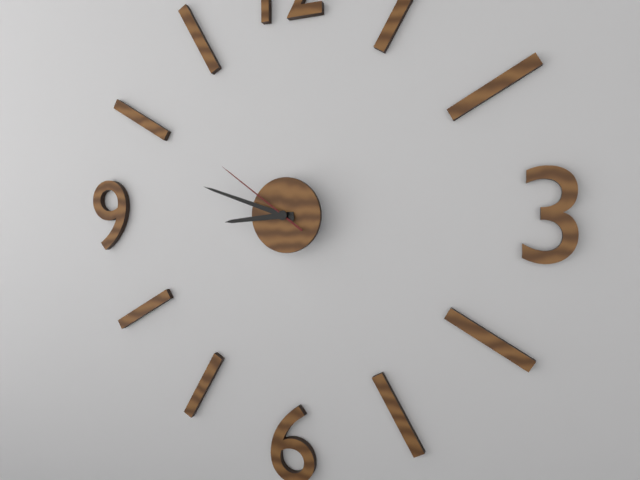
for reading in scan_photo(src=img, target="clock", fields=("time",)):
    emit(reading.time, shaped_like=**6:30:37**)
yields **8:48:51**
